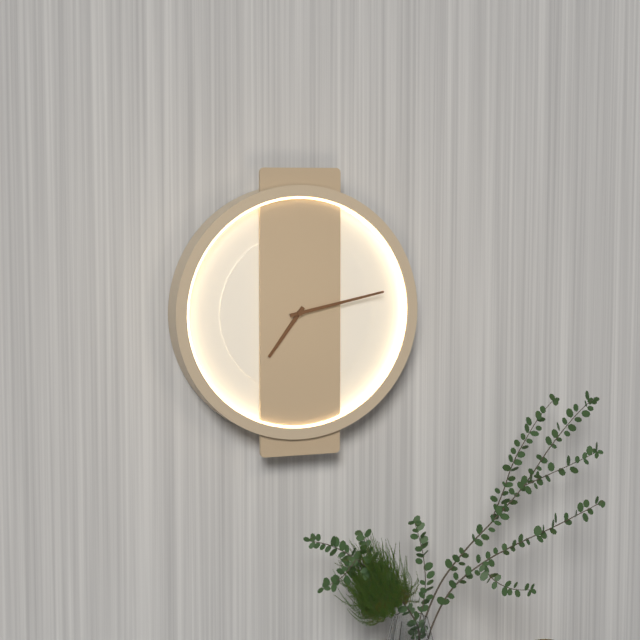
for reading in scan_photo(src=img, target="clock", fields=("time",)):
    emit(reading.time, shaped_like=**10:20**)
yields **7:13**
